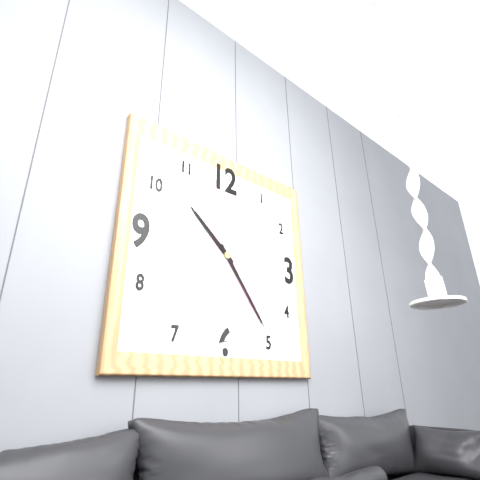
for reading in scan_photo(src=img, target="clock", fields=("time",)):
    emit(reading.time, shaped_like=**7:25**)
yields **10:24**
